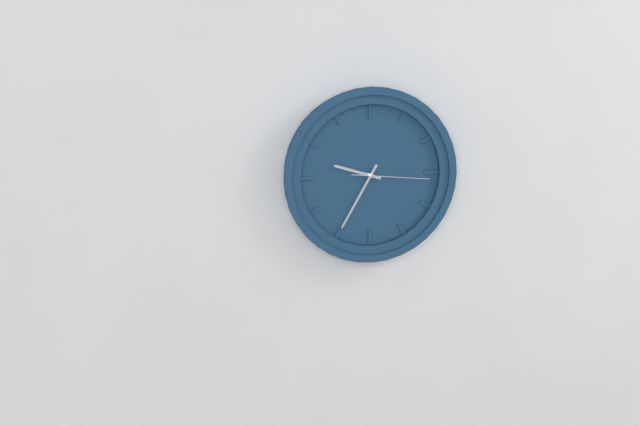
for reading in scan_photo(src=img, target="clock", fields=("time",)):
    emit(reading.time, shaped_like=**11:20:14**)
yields **9:35:16**
